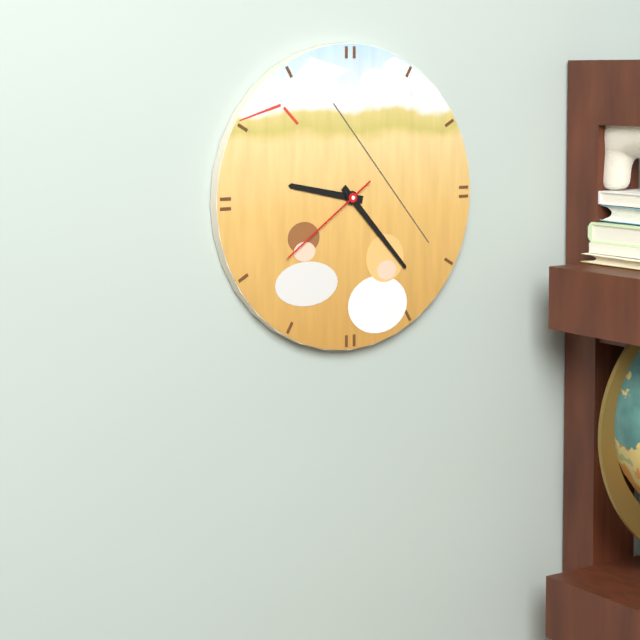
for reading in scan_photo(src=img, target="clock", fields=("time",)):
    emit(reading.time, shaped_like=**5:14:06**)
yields **9:23:39**
